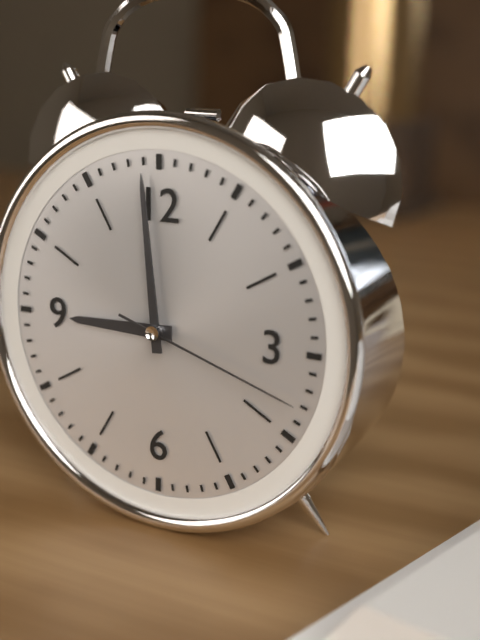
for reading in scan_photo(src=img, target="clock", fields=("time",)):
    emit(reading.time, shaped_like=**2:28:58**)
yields **8:59:18**
